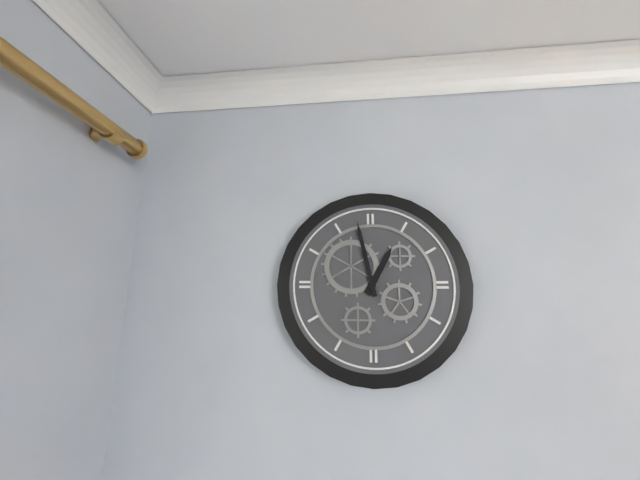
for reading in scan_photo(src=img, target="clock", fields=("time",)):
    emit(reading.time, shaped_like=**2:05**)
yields **12:58**
